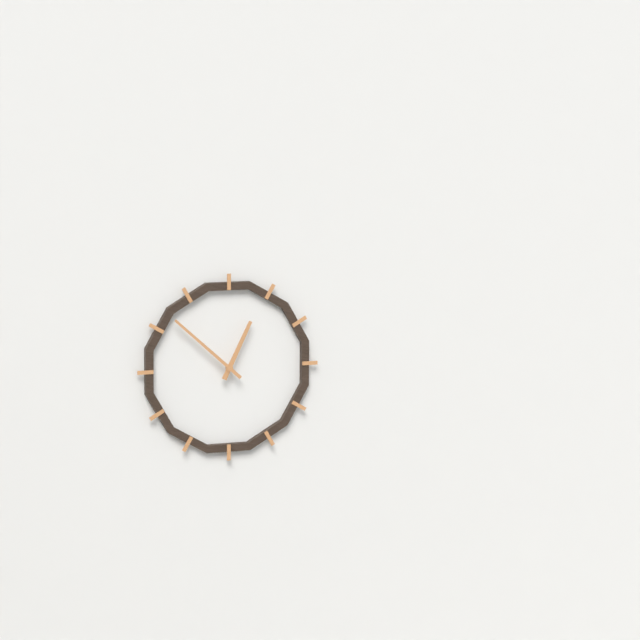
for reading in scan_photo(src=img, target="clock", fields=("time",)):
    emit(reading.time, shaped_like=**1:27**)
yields **12:52**
